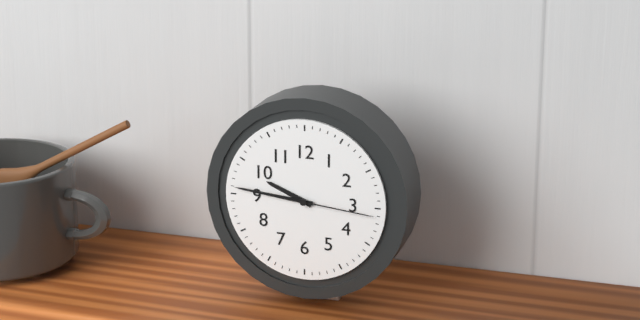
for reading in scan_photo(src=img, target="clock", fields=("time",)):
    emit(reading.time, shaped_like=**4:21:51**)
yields **9:46:16**
